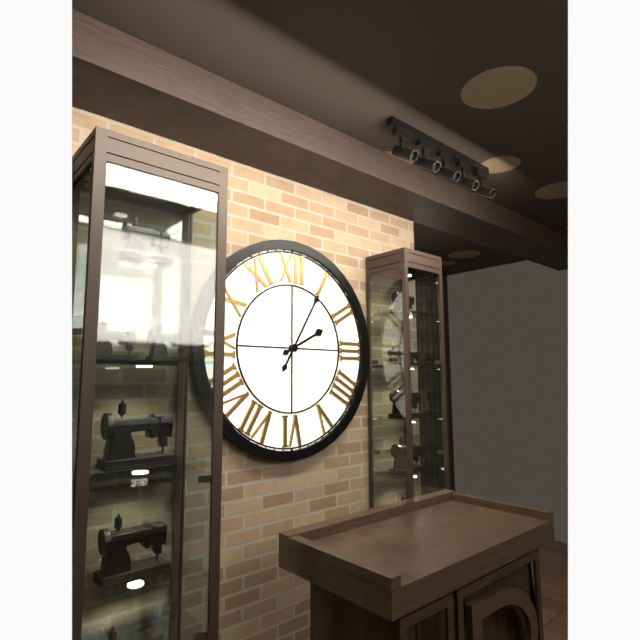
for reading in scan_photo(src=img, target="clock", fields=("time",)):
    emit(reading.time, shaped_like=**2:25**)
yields **2:05**
